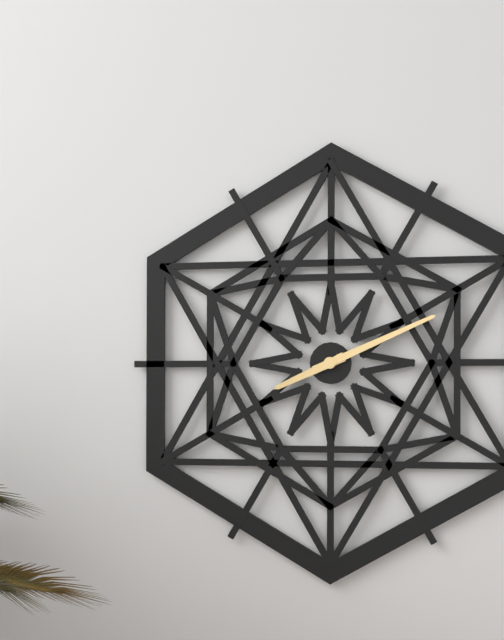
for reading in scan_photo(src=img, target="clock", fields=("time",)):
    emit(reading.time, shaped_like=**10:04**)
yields **8:11**
